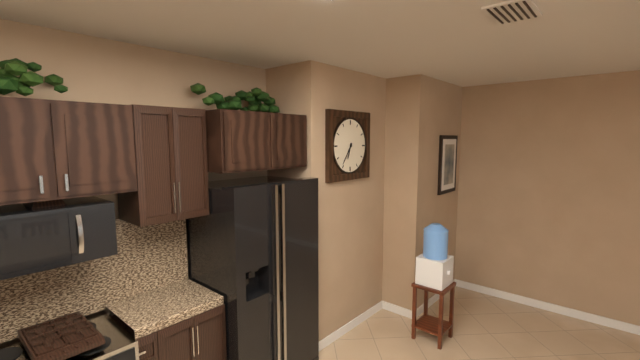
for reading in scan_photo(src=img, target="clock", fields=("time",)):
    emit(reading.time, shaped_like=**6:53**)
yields **6:36**
